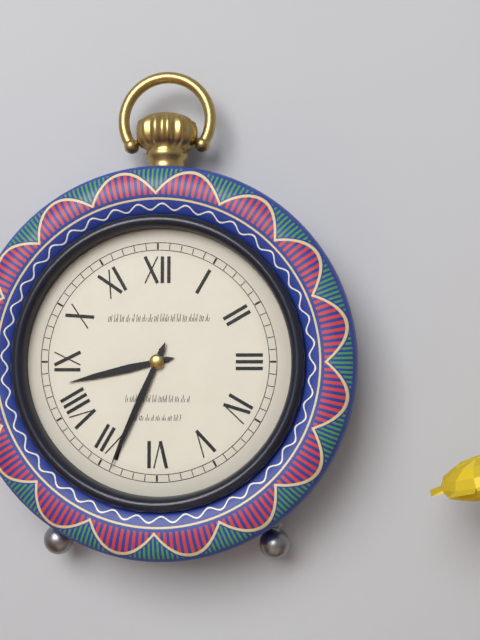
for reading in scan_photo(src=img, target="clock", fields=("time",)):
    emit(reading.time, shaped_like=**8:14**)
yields **8:34**
